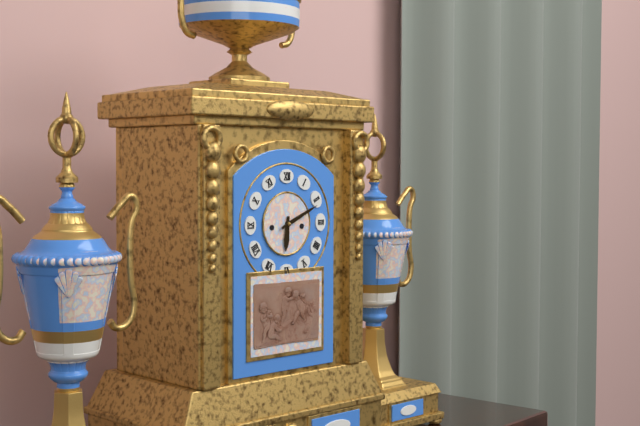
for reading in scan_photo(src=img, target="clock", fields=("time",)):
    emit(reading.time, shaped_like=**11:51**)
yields **6:11**
